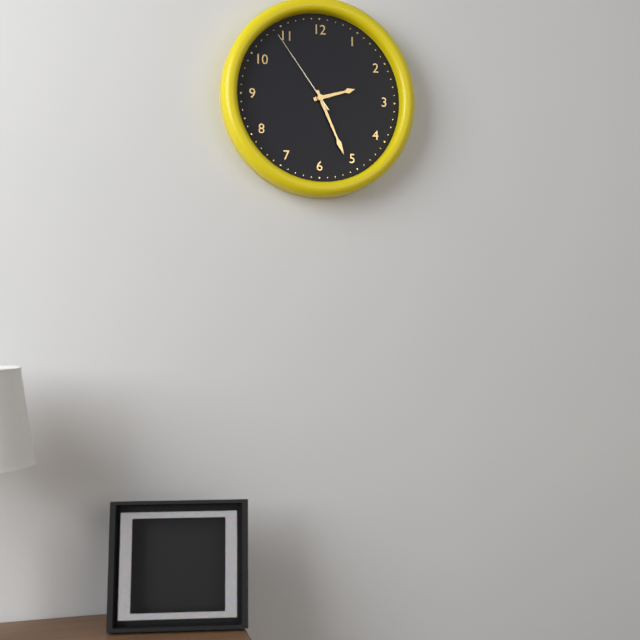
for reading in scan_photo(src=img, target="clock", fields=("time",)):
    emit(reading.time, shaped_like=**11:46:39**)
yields **2:26:54**
